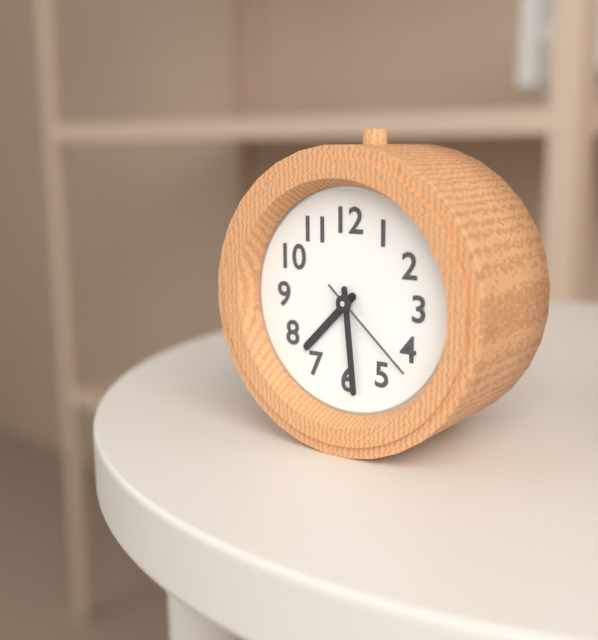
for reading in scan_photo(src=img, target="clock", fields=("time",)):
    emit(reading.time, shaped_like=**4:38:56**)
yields **7:29:22**
